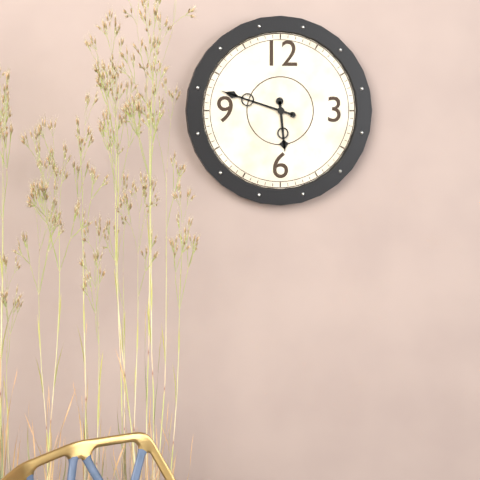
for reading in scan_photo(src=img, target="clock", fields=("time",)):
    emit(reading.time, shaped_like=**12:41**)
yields **5:48**
